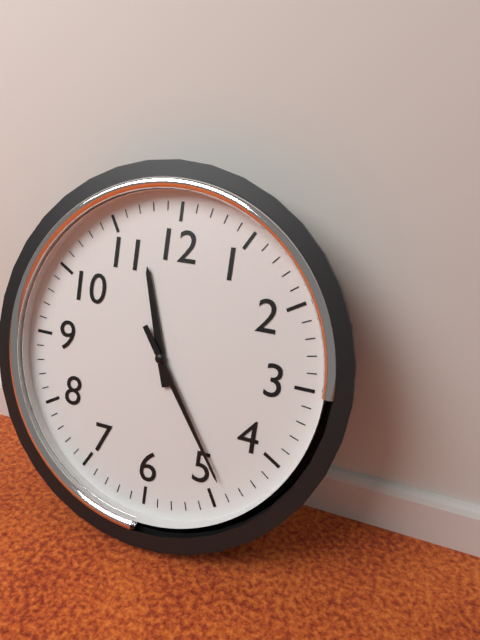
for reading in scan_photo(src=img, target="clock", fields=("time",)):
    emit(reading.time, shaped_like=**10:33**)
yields **11:24**
